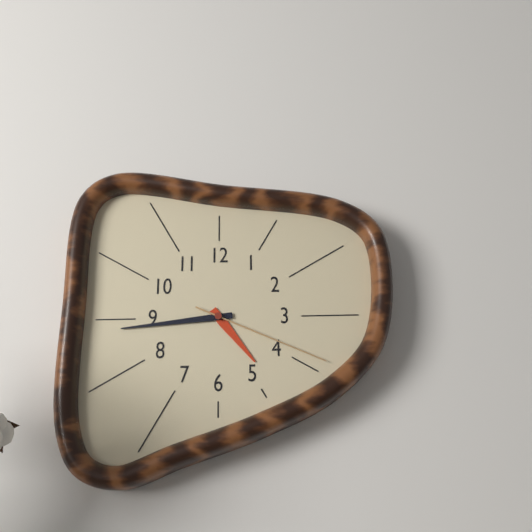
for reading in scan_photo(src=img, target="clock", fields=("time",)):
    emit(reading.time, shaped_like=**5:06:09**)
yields **4:44:19**
